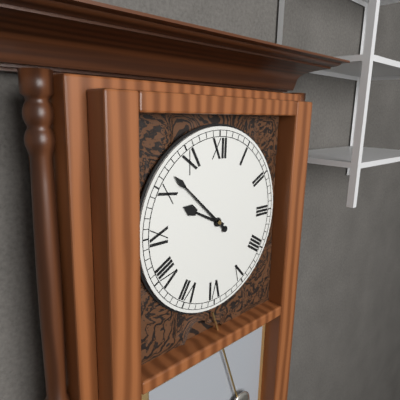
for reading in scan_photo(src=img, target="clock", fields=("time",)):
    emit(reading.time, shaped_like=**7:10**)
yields **9:52**
